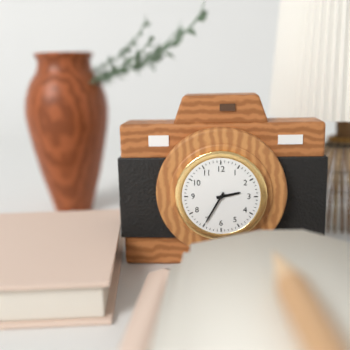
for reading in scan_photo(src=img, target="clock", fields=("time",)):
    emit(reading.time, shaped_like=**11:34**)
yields **2:35**
